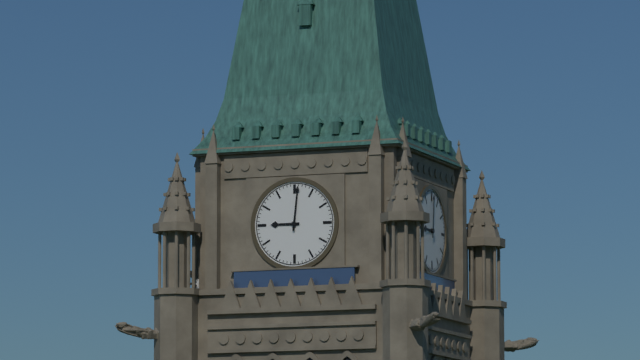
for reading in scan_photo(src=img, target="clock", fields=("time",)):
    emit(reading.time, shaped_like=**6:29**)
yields **9:01**
